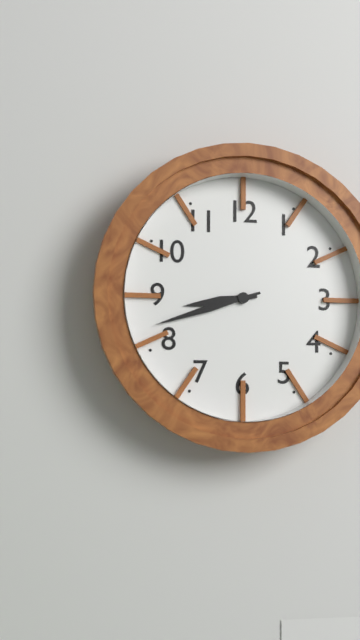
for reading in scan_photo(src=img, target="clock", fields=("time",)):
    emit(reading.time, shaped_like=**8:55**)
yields **8:42**
